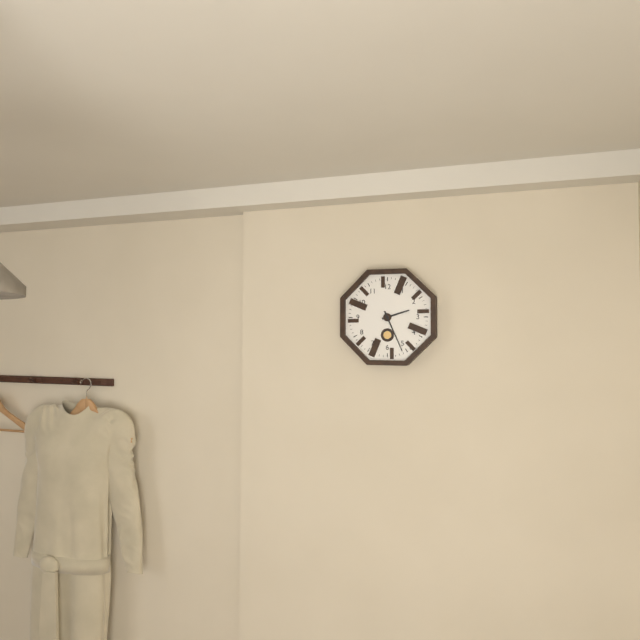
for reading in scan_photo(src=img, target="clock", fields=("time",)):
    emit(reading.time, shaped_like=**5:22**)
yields **2:26**
